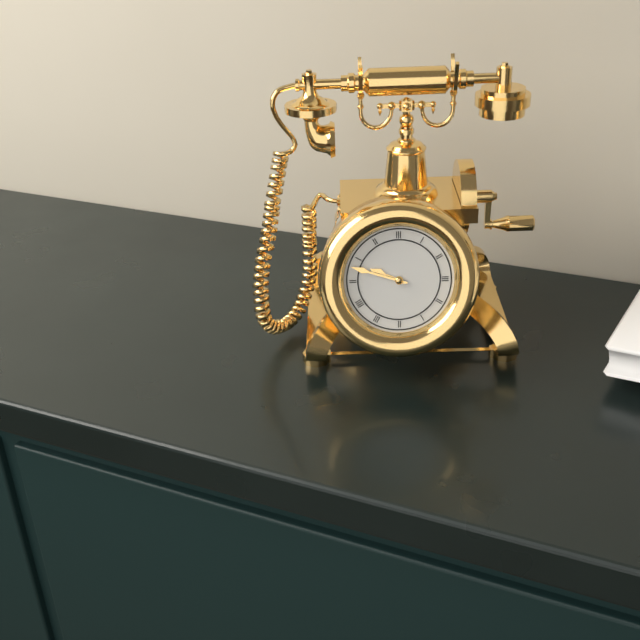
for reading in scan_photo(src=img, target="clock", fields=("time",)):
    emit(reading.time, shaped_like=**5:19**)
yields **9:48**
